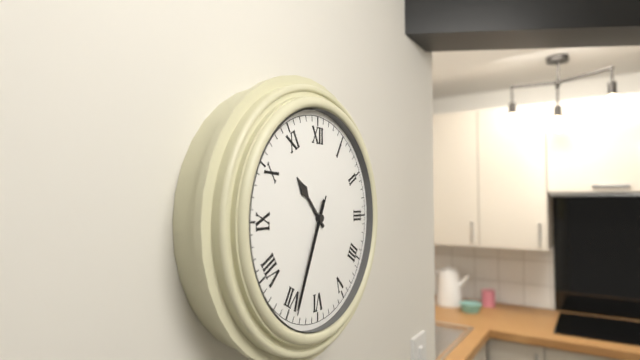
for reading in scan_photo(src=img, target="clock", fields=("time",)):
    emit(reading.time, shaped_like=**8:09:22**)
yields **10:34:34**
